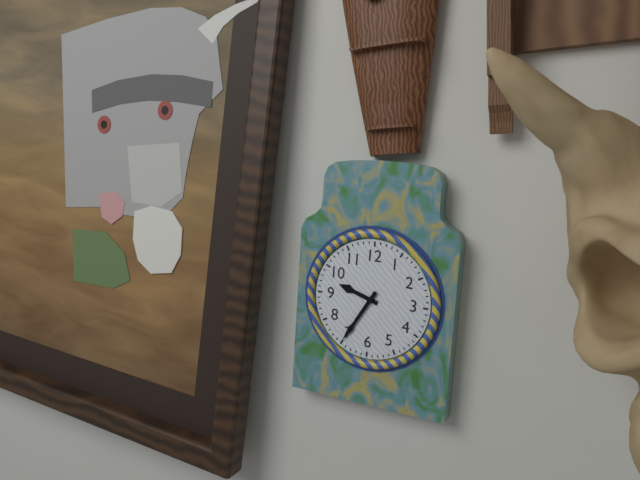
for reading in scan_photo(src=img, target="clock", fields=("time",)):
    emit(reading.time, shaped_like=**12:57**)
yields **9:35**
